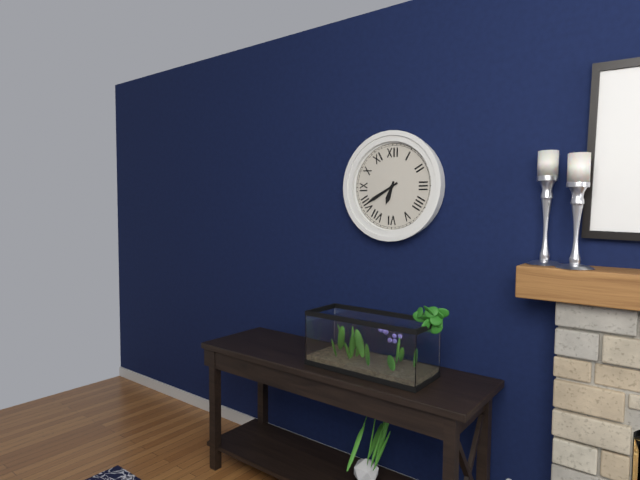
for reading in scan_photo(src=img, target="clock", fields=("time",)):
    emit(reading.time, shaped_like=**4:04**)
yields **6:40**
